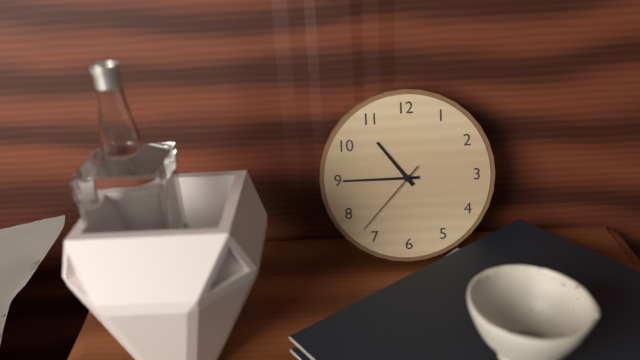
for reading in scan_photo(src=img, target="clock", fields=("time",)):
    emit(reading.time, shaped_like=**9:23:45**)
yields **10:45:37**
